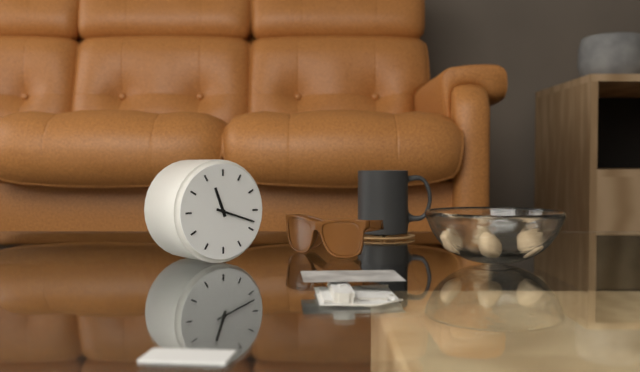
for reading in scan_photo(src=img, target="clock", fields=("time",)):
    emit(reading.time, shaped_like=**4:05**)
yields **11:18**
